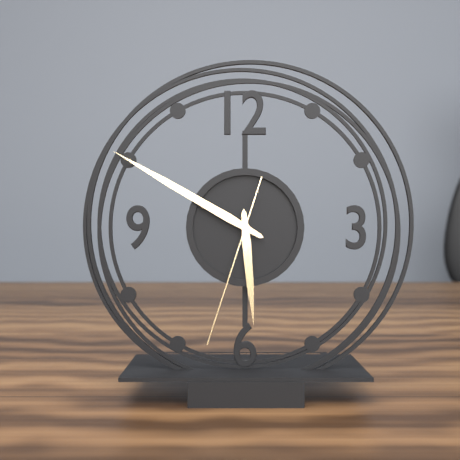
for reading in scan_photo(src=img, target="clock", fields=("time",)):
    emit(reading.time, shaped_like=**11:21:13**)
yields **5:50:33**
